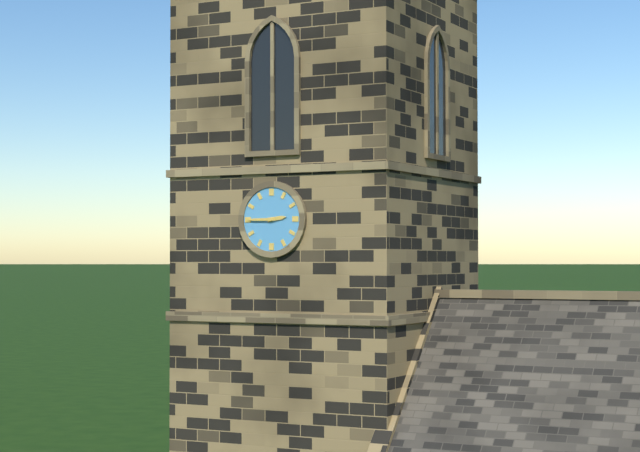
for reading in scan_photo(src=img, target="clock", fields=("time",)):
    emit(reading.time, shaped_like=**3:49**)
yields **2:45**
